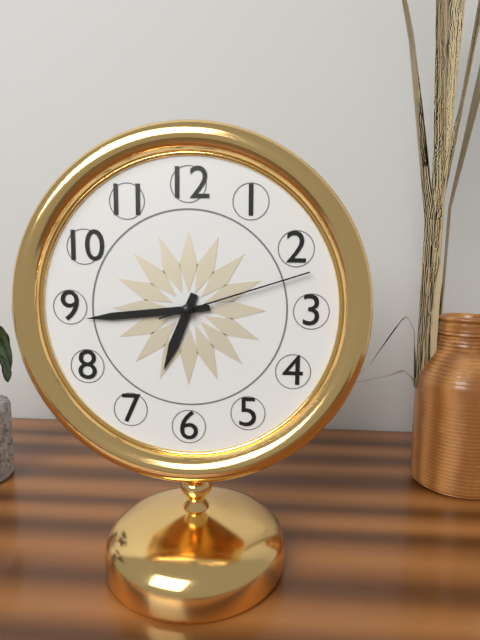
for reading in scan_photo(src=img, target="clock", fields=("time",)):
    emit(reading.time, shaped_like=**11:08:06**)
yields **6:44:12**
